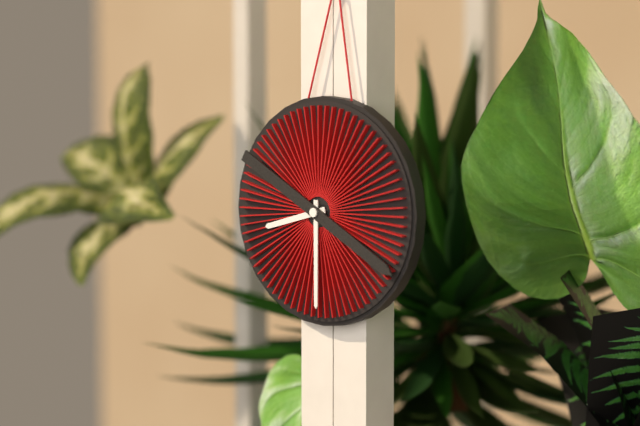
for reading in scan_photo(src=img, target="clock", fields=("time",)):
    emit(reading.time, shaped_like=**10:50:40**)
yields **8:30:20**
